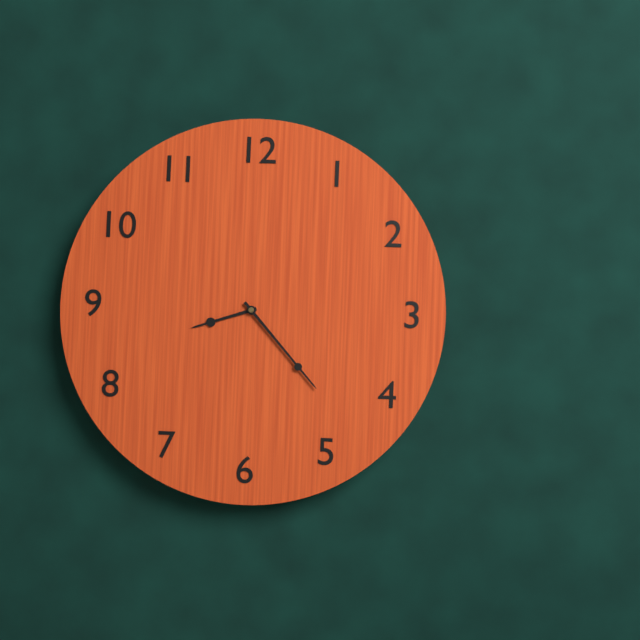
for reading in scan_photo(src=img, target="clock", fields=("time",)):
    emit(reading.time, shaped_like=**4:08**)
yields **8:23**
